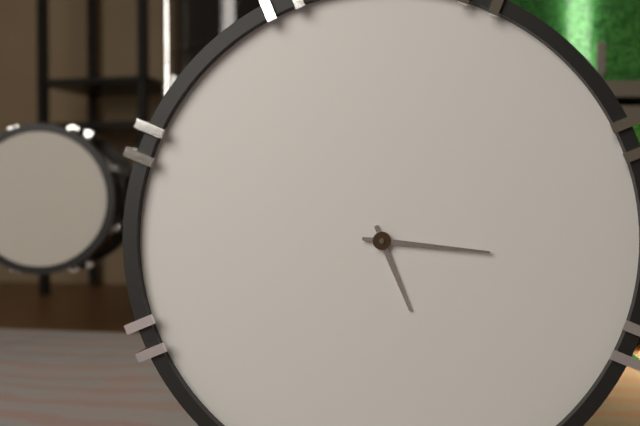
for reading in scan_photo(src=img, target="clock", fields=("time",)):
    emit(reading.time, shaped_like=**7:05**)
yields **5:16**
